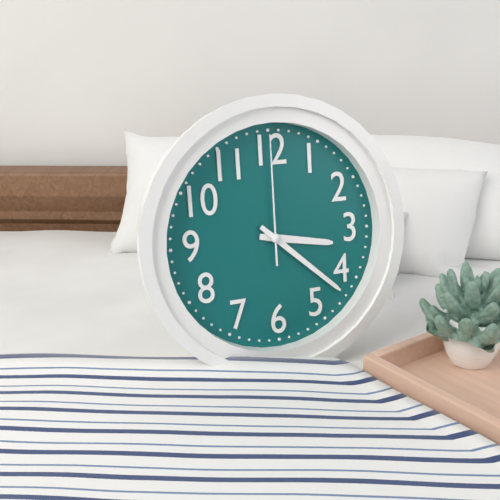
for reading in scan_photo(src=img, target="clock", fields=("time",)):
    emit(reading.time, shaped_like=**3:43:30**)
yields **3:22:00**
